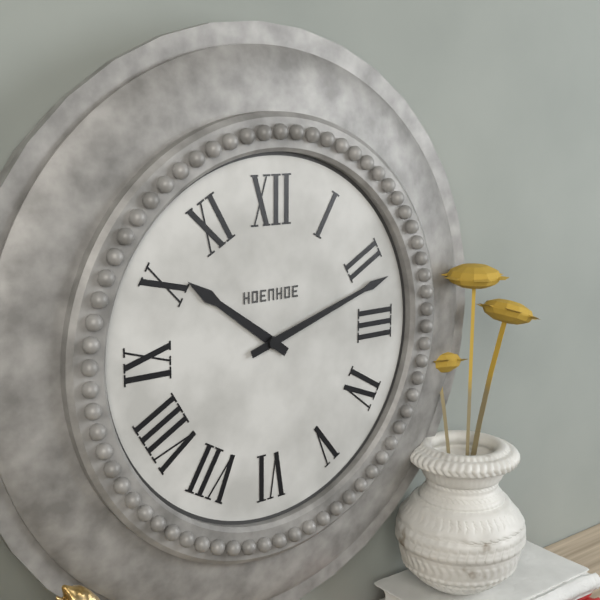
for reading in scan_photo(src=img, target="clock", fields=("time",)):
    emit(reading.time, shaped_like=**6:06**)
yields **10:12**
